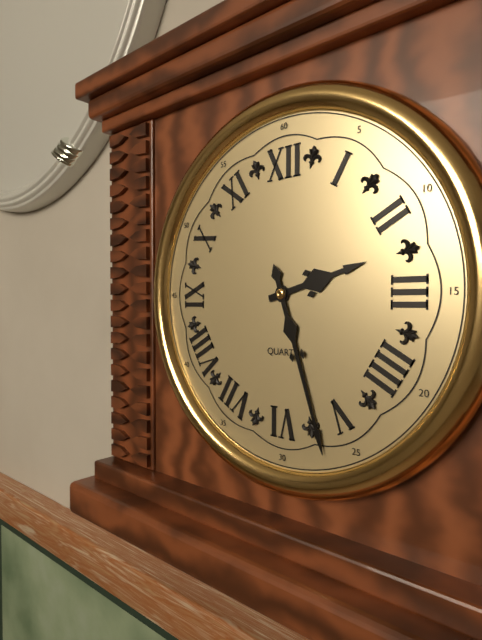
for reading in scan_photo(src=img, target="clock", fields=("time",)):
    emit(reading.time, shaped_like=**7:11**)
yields **2:27**
